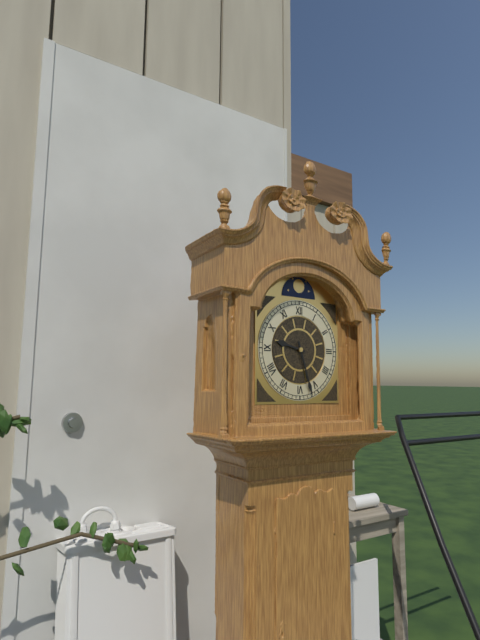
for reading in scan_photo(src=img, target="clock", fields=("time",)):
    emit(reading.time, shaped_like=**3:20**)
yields **9:27**
